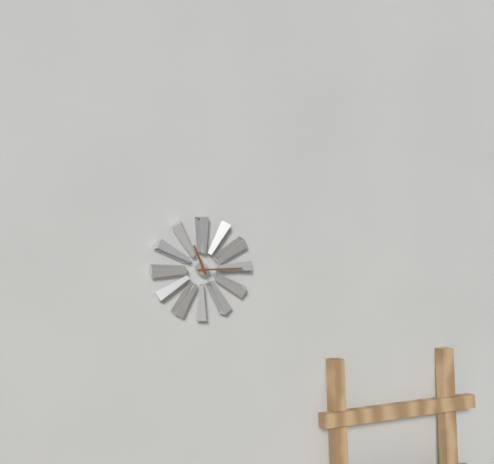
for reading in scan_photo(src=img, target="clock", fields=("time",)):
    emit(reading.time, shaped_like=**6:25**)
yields **11:15**
